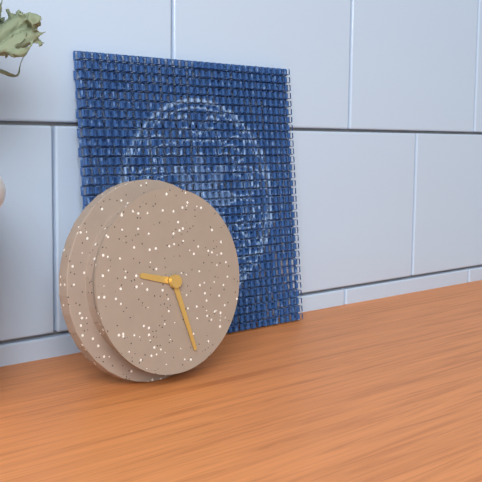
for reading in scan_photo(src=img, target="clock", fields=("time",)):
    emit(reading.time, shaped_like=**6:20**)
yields **9:27**
